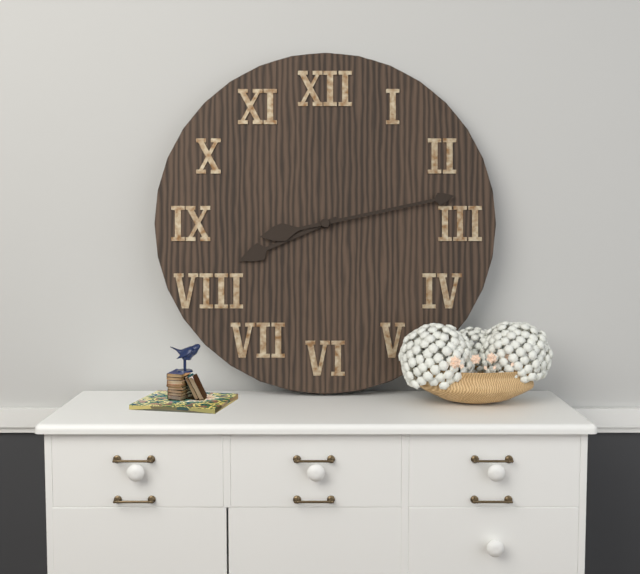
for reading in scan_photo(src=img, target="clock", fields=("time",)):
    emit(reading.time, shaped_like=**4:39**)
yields **8:13**
